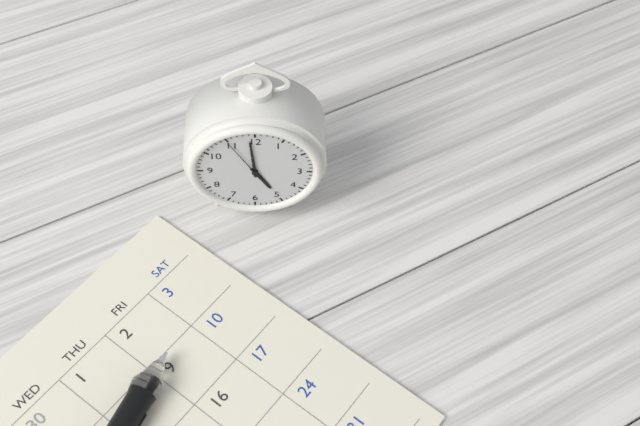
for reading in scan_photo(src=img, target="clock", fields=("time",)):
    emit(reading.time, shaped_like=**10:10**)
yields **4:59**
